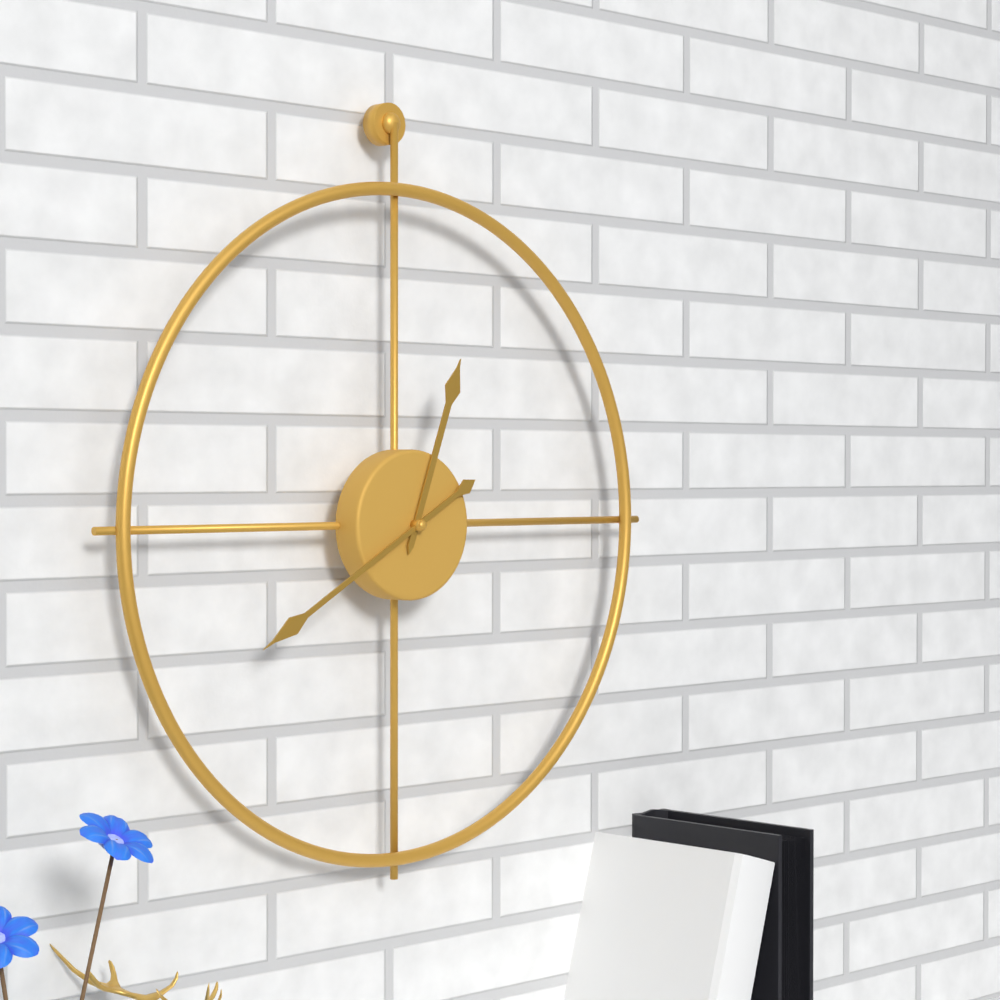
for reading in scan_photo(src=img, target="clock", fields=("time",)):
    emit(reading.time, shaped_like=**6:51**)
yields **12:40**
